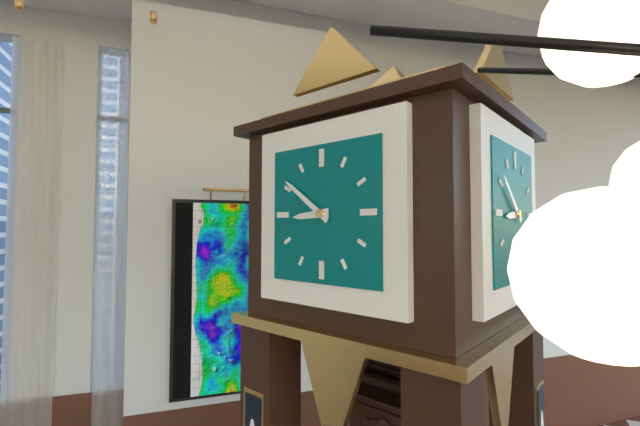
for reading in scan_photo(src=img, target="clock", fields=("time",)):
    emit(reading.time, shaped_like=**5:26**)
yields **8:51**
